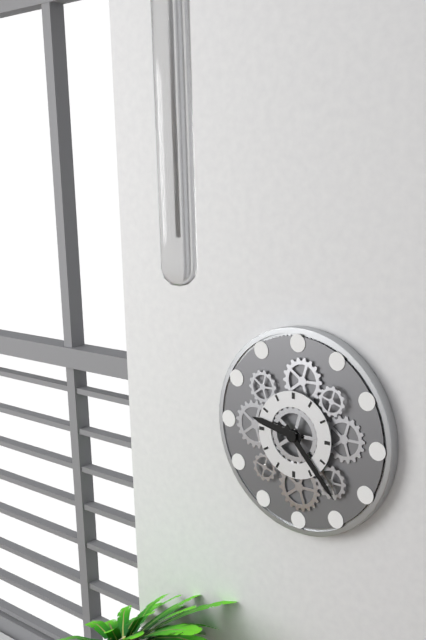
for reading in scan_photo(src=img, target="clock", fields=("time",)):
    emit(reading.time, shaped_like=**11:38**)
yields **9:23**
